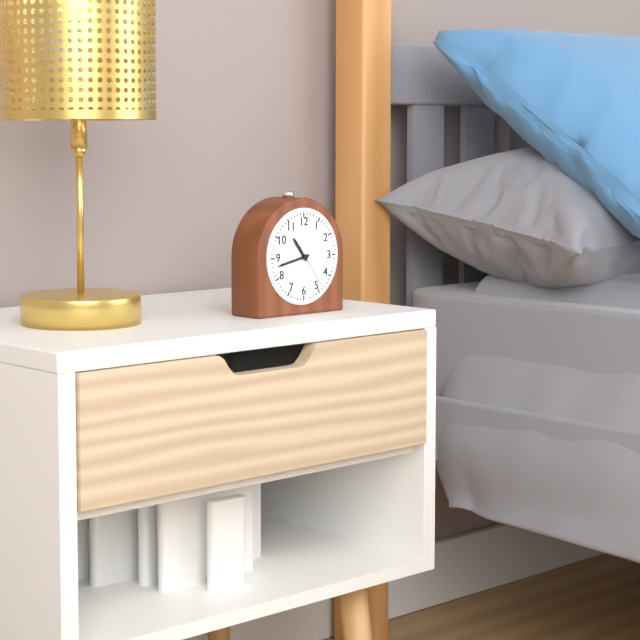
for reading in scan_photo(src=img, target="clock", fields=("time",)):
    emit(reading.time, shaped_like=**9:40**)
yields **10:43**
